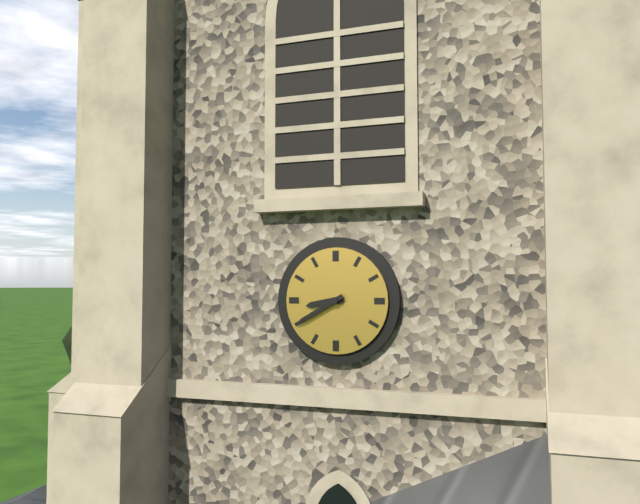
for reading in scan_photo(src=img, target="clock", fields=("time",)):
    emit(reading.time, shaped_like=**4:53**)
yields **8:40**
